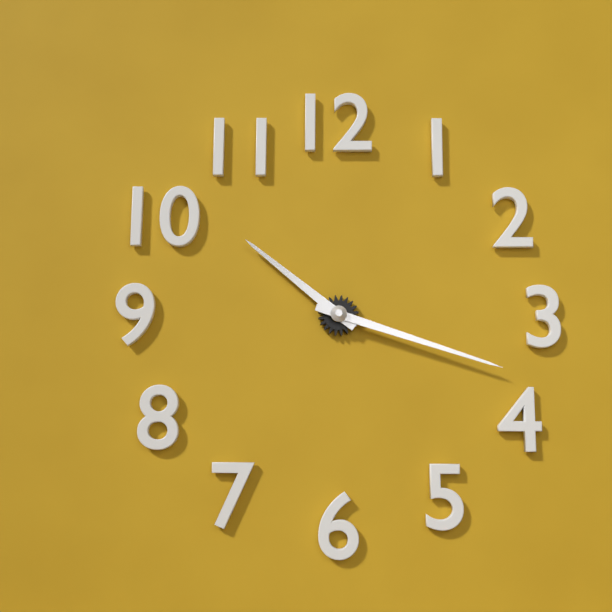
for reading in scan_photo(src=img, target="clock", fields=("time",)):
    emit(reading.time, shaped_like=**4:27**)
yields **10:18**
